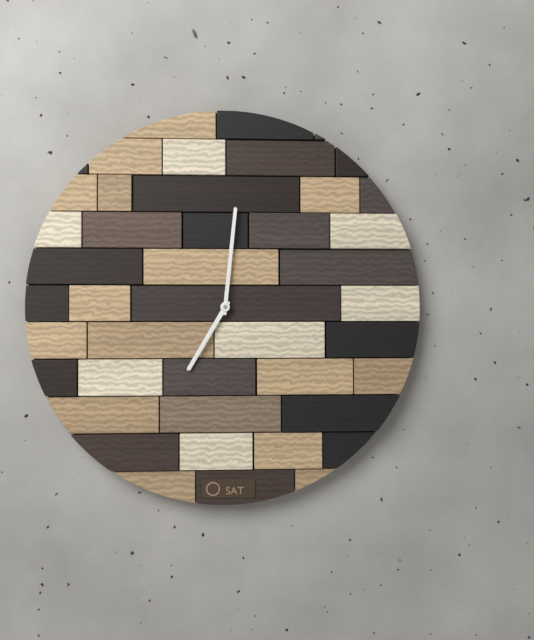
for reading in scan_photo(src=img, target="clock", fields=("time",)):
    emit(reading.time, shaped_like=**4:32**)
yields **7:01**
